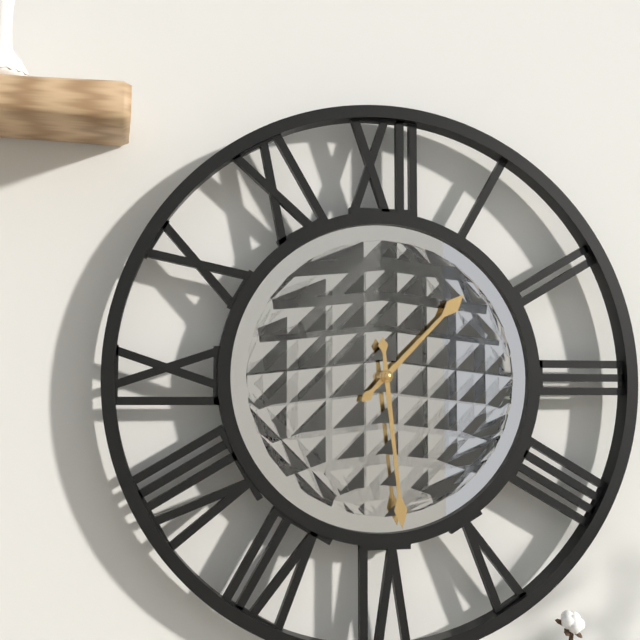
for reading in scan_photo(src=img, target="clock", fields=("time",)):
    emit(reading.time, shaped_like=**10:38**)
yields **1:29**
